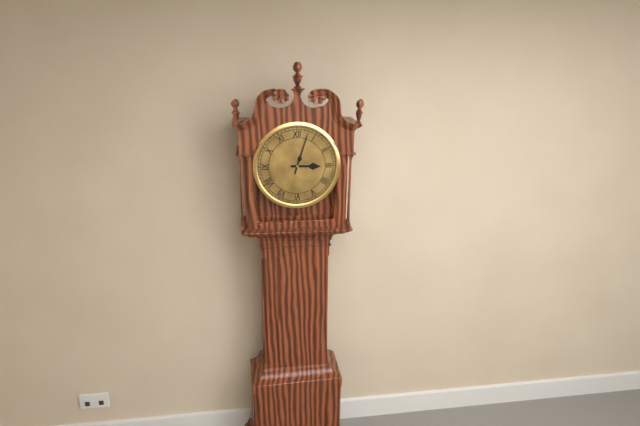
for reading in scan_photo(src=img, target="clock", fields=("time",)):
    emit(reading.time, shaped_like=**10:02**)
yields **3:03**
